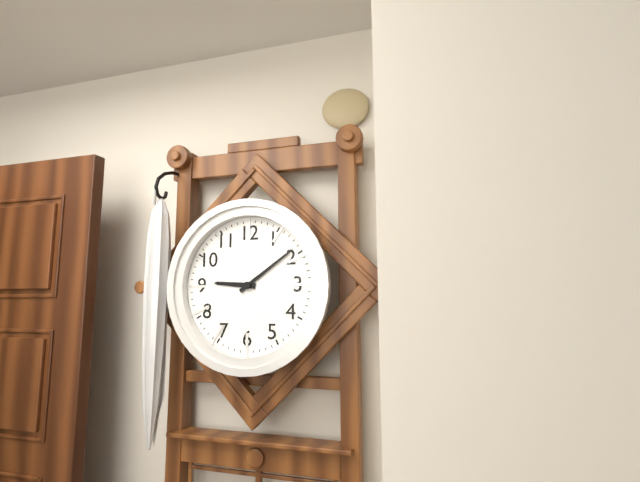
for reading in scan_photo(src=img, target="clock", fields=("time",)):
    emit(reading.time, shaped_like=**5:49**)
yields **9:09**
